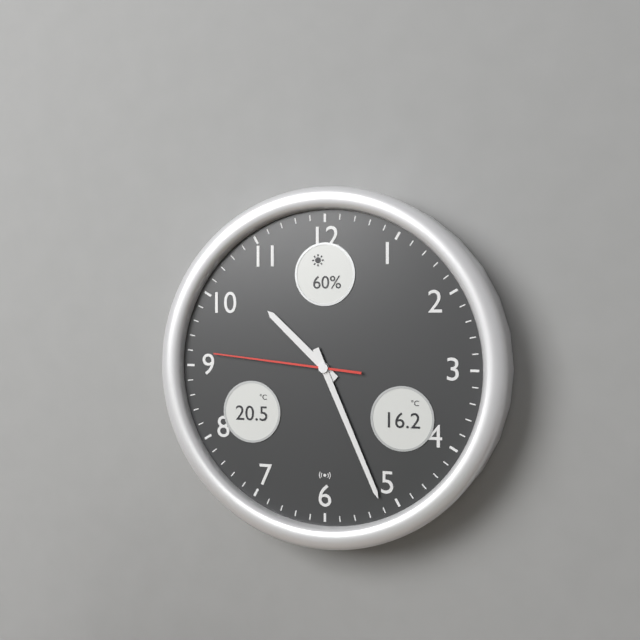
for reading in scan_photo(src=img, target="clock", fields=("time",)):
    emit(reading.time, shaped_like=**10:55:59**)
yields **10:26:46**
